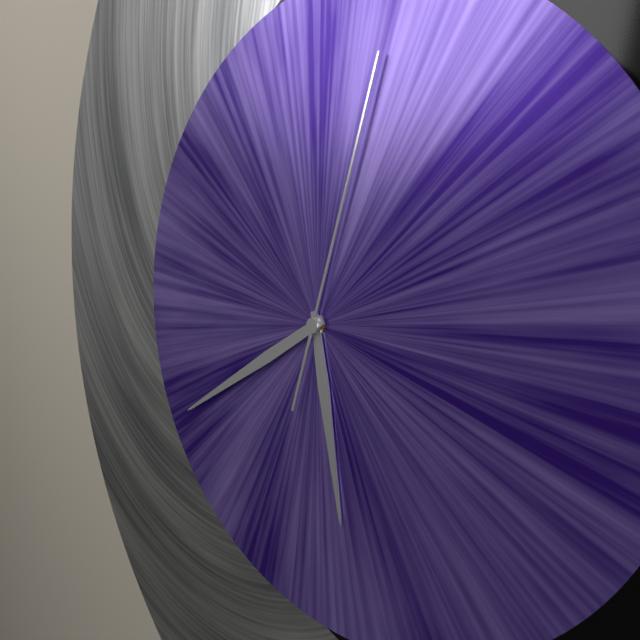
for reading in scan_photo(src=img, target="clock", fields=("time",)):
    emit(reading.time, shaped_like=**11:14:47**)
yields **5:40:03**
